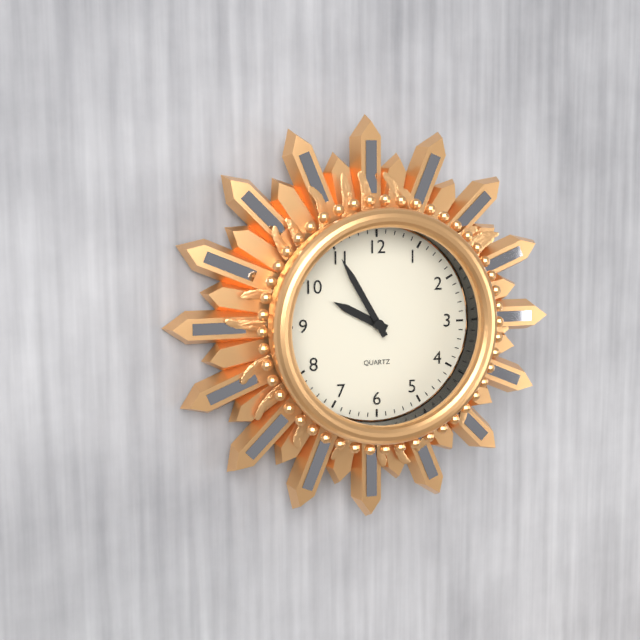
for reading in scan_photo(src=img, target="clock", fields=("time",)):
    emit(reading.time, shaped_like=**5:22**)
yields **9:55**
